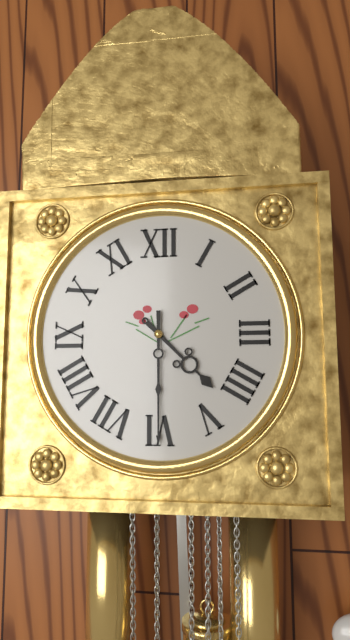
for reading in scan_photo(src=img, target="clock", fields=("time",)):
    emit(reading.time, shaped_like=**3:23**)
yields **4:30**
